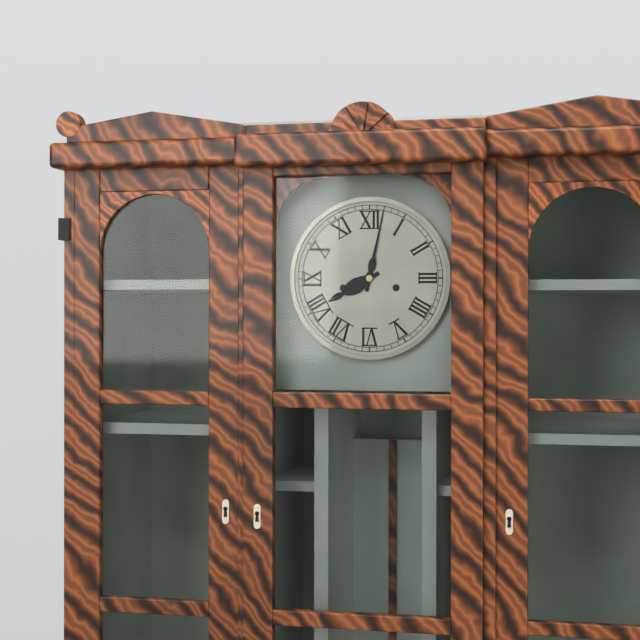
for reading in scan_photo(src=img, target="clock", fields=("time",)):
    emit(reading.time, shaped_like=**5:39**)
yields **8:02**
